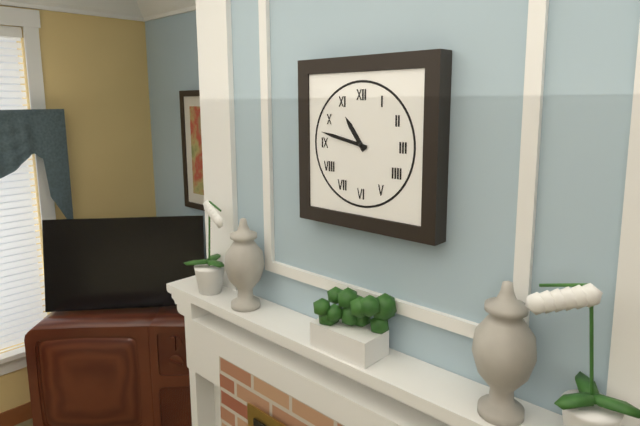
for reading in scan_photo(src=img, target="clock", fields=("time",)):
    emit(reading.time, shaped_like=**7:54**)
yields **10:47**
